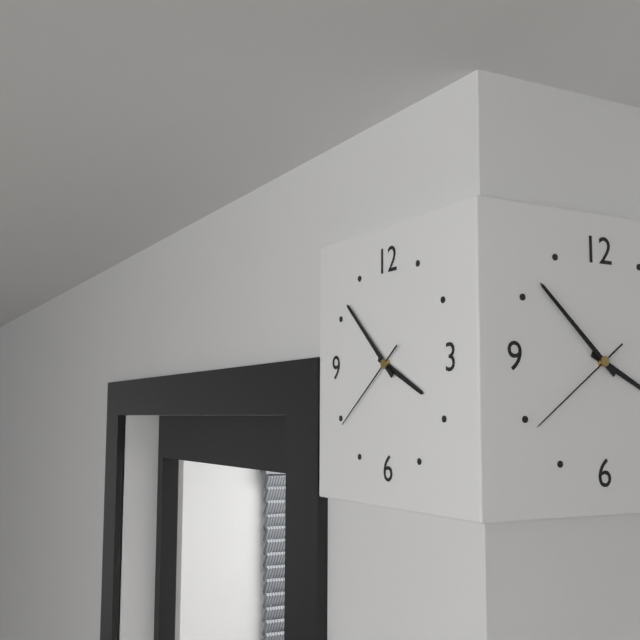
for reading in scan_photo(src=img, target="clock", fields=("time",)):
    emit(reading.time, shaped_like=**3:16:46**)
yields **3:52:39**
